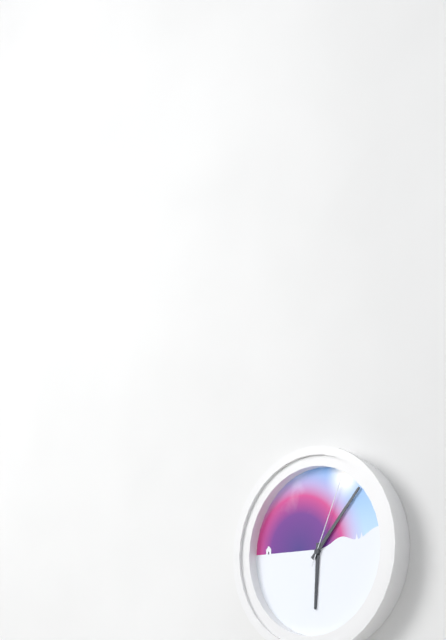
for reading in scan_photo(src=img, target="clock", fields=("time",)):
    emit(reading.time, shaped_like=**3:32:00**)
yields **6:07:04**
